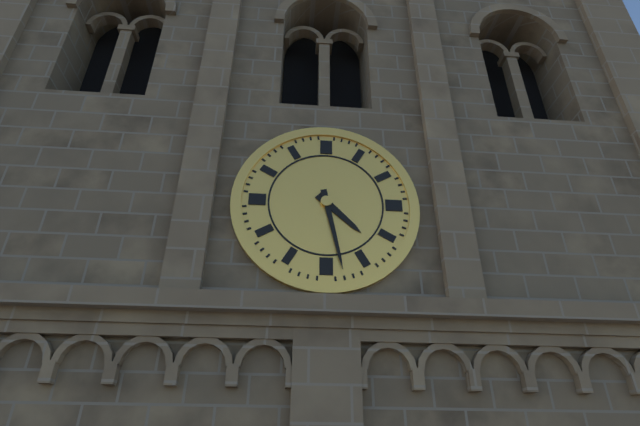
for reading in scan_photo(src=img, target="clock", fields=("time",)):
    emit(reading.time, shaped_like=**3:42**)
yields **4:28**
